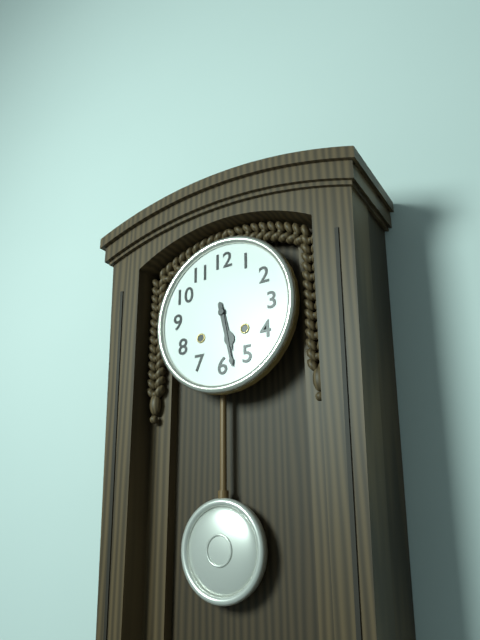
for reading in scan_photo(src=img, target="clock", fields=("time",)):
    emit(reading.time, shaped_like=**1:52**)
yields **5:28**
